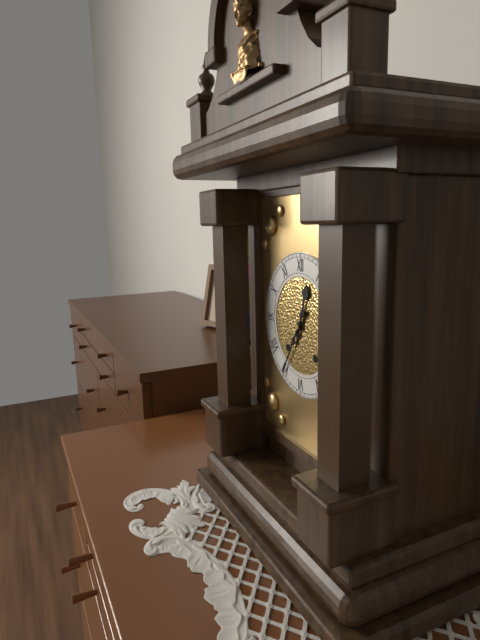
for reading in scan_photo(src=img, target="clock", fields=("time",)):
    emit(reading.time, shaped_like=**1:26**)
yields **12:35**
